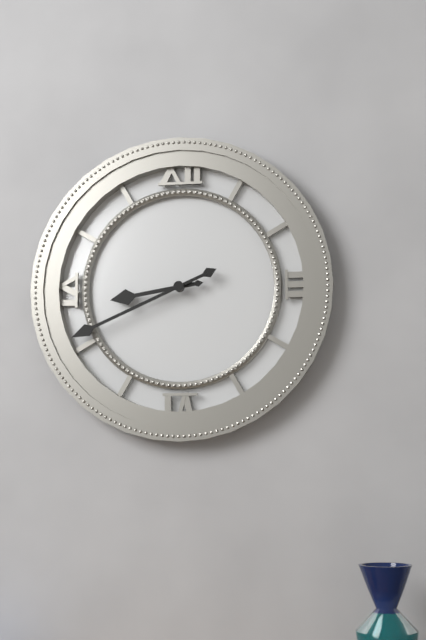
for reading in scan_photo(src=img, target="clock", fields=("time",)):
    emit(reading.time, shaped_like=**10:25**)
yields **8:41**
